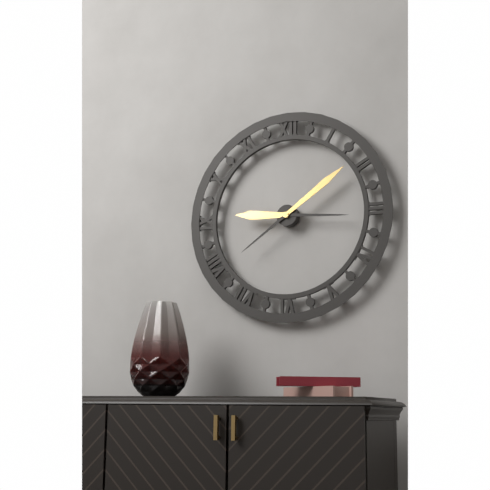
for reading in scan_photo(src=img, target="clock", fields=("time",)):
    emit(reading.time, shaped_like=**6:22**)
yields **9:09**
